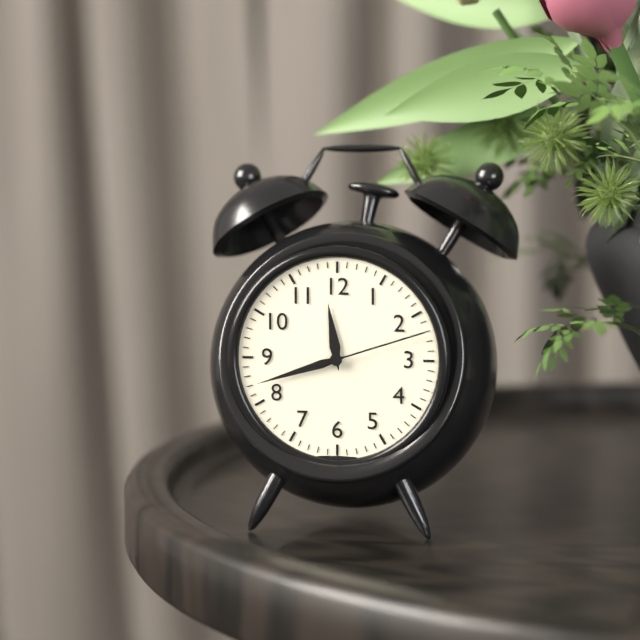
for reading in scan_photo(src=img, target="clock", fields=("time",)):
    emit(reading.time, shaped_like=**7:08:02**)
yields **11:42:12**
